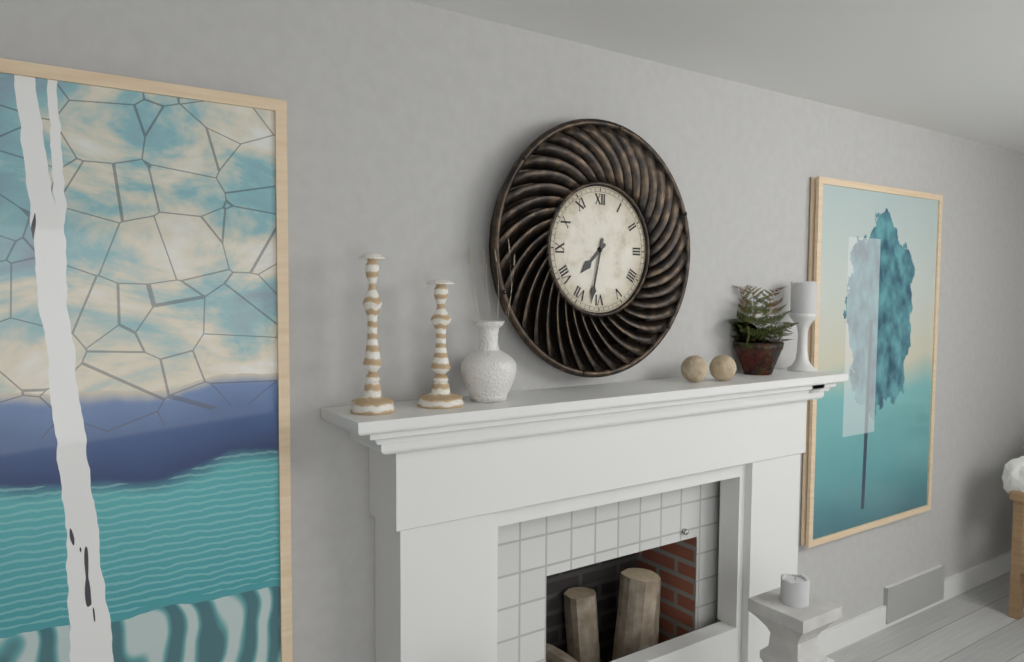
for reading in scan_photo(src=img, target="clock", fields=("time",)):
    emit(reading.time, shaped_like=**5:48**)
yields **7:32**
